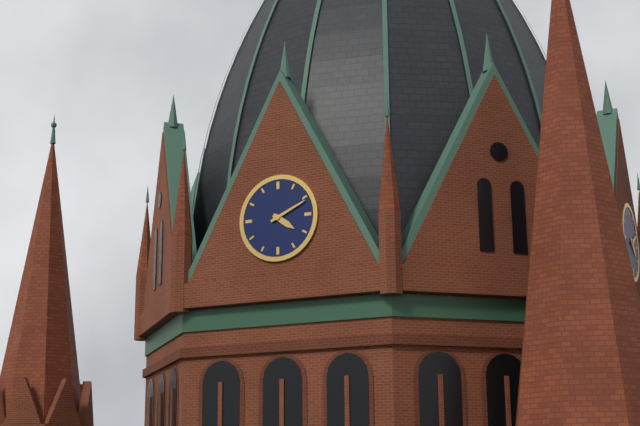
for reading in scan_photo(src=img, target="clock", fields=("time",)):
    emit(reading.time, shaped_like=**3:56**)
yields **4:11**
